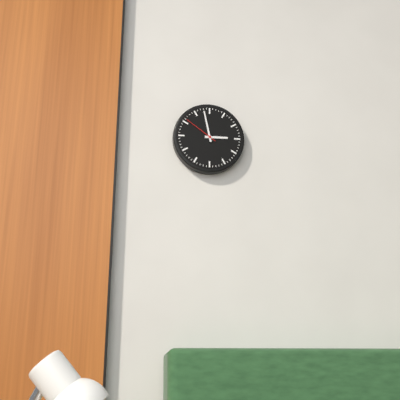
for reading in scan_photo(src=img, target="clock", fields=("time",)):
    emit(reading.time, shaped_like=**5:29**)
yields **2:58**
